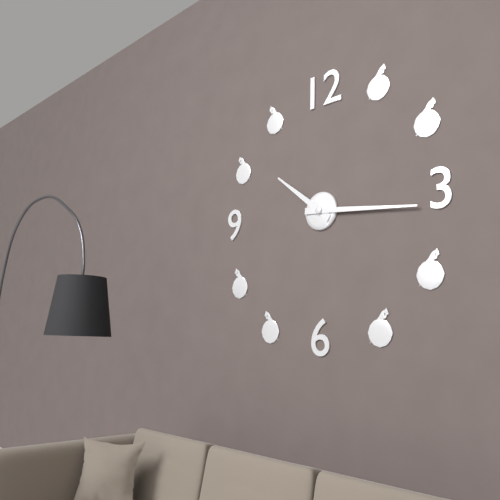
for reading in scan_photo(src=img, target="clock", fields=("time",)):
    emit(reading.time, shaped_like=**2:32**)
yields **10:16**
